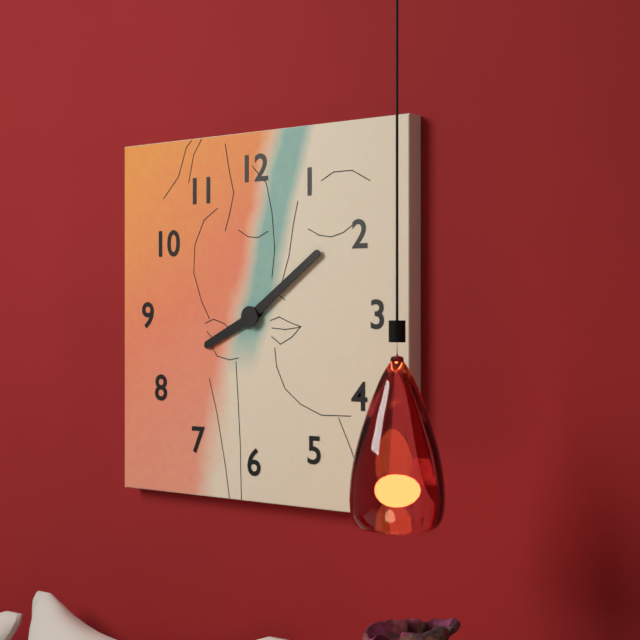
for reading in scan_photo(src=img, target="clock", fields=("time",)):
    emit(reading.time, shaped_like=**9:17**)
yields **8:09**
